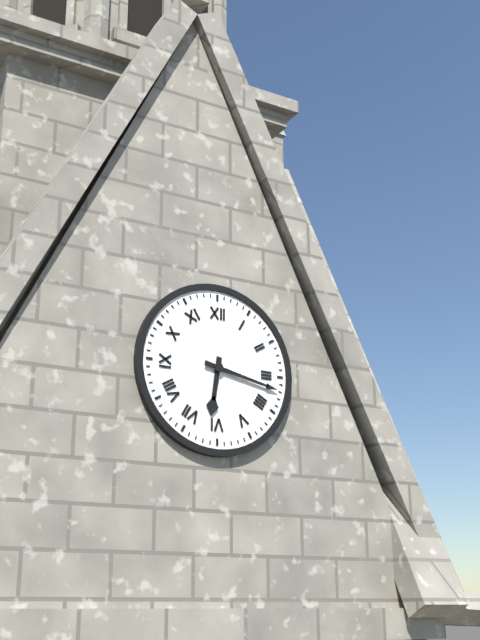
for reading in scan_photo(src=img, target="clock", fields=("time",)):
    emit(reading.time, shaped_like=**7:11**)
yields **6:17**
